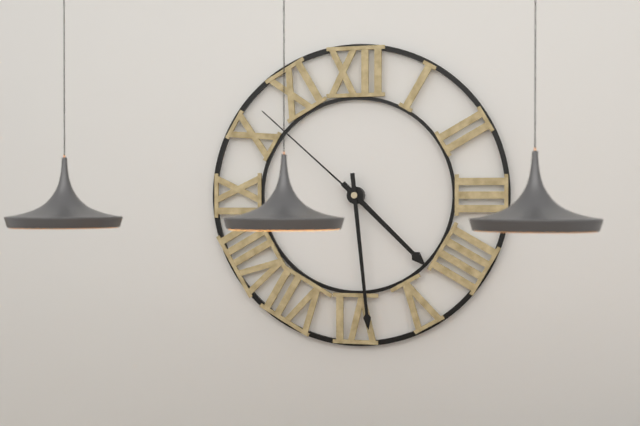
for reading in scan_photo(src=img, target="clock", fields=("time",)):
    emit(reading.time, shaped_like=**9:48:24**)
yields **4:29:52**
